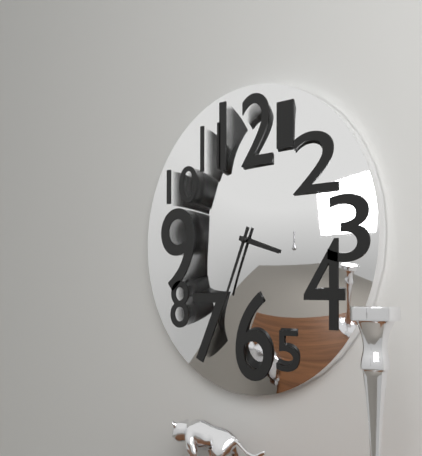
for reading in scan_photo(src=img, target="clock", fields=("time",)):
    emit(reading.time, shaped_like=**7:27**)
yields **3:34**
